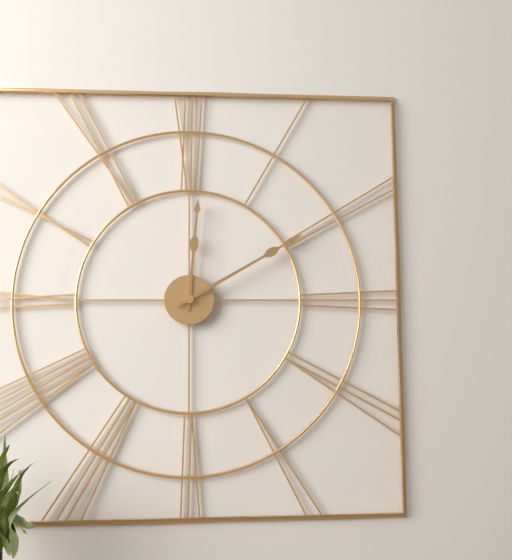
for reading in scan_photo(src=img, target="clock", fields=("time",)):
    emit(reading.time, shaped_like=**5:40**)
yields **12:10**
